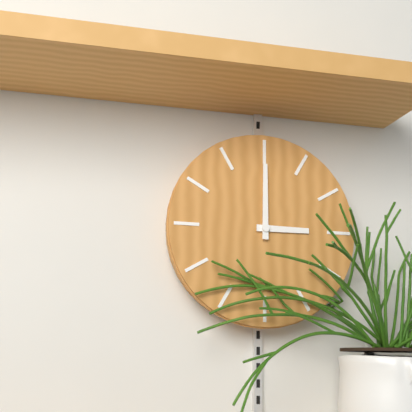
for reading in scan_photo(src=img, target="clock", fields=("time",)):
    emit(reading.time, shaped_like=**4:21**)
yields **3:00**
